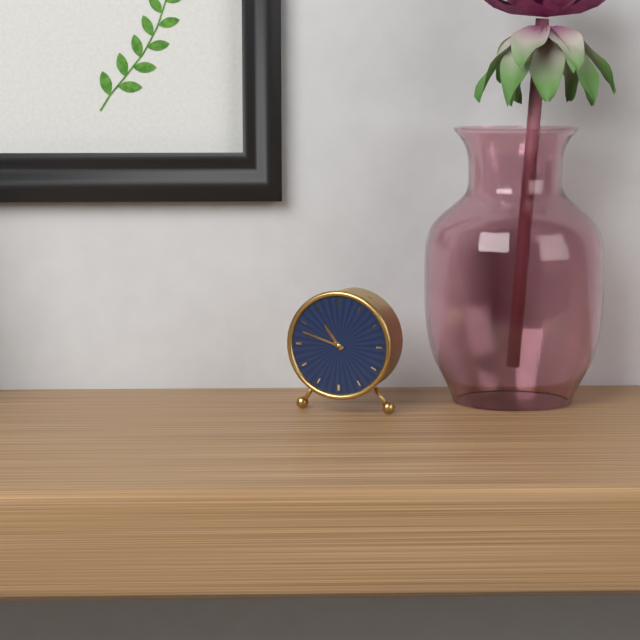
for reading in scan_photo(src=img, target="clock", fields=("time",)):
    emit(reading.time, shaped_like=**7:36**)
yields **10:48**
